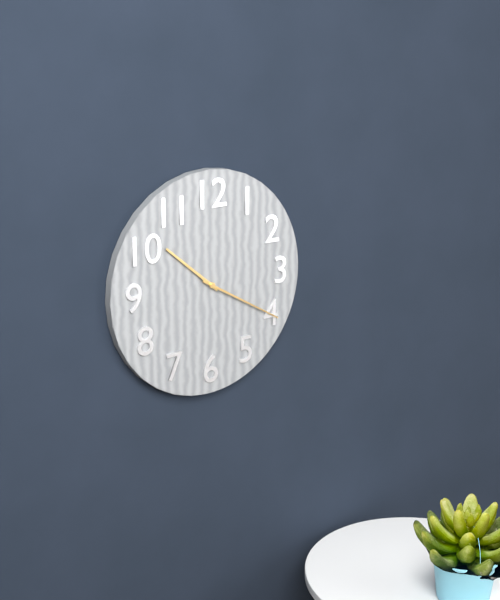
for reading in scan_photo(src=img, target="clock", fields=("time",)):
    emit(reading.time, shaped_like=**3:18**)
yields **10:20**
